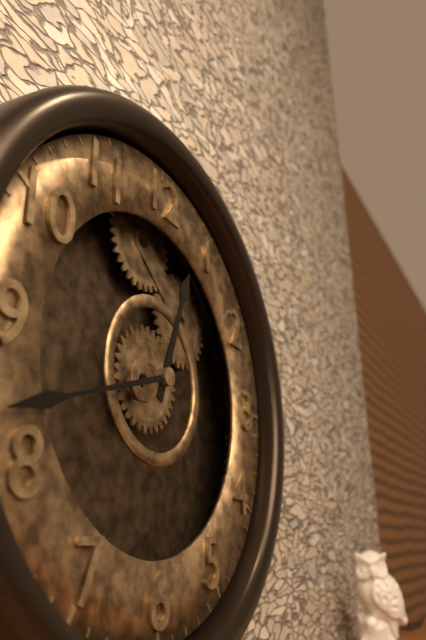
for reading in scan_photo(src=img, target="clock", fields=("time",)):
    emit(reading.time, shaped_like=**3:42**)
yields **12:42**
